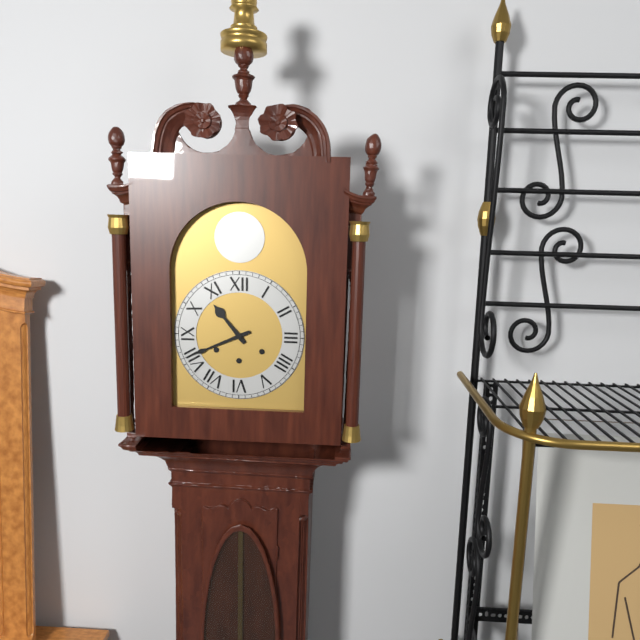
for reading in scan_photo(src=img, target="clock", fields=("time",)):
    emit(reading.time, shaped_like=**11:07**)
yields **10:41**
